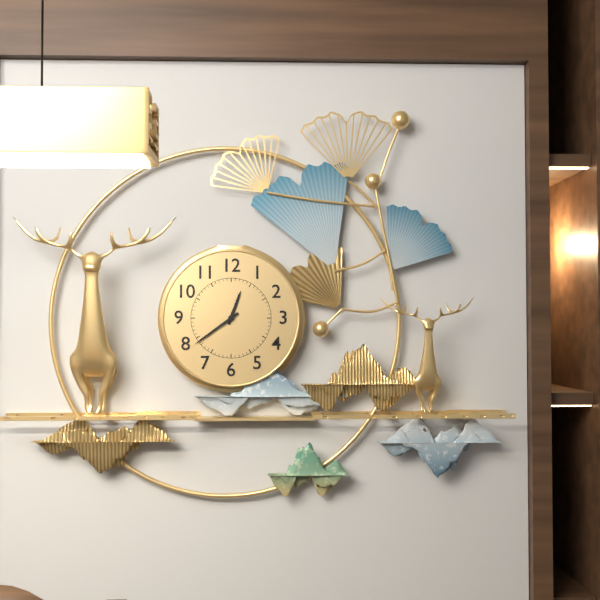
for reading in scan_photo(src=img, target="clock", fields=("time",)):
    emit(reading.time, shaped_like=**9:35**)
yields **12:39**
